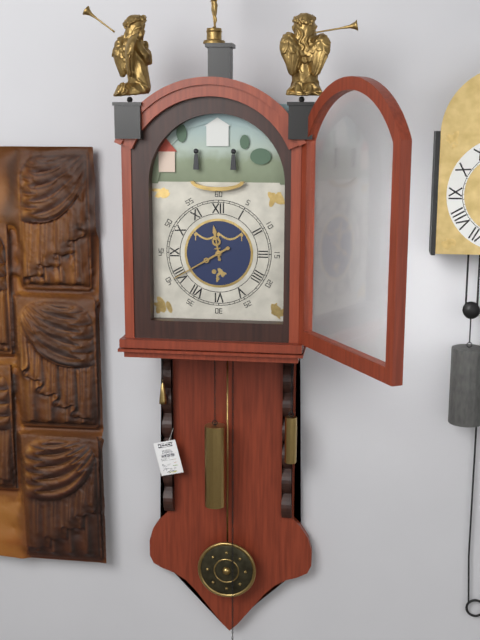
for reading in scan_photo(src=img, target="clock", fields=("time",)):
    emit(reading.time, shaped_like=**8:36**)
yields **11:40**
